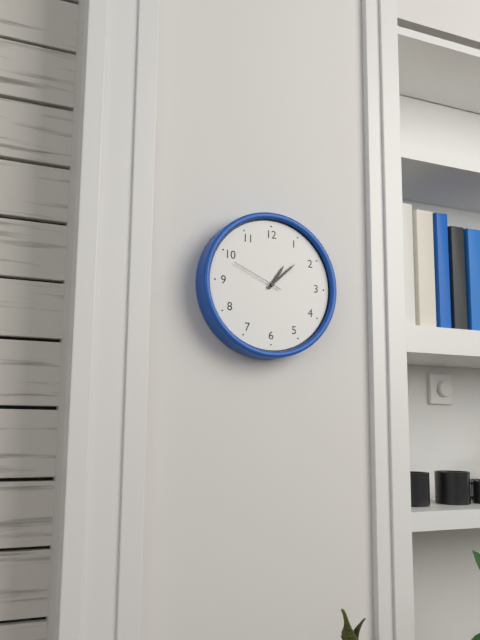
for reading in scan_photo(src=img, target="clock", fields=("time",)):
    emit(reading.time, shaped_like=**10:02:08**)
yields **1:08:49**
